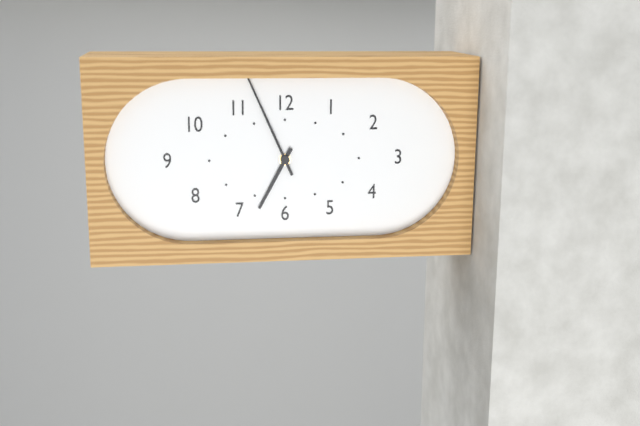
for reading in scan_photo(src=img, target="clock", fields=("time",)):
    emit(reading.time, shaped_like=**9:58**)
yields **6:56**
